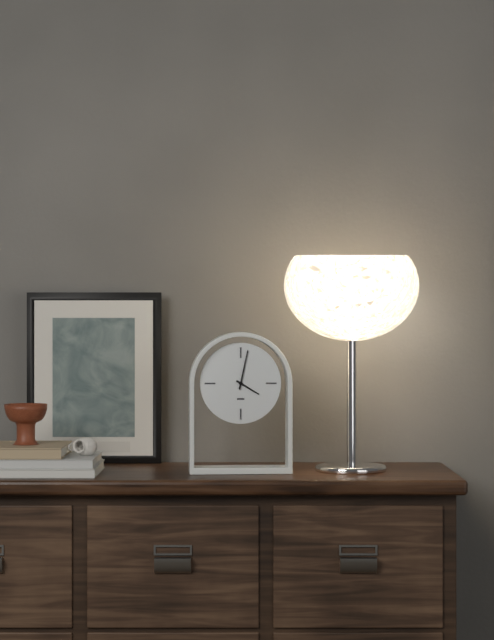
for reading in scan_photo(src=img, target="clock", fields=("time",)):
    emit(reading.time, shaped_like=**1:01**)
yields **4:02**
